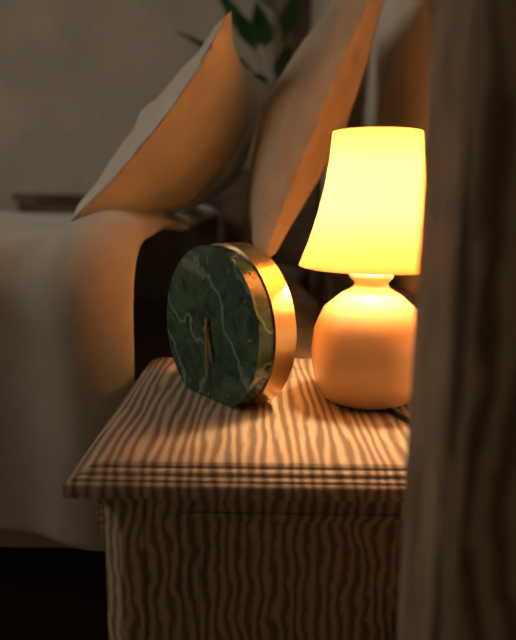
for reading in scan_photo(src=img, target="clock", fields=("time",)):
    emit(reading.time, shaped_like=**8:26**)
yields **5:30**
